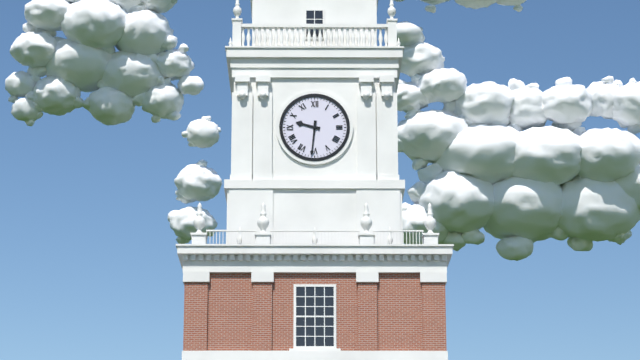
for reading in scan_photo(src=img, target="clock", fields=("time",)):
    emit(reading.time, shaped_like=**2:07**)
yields **9:31**
